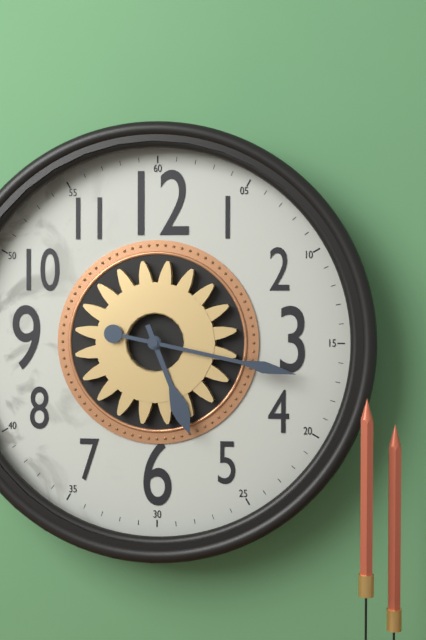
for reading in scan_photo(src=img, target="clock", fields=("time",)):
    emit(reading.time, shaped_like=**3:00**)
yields **5:17**
